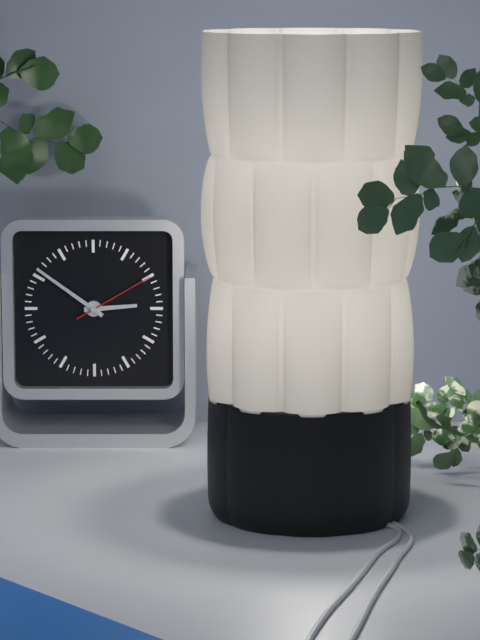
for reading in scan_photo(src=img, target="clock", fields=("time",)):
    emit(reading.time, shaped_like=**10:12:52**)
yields **2:51:10**
